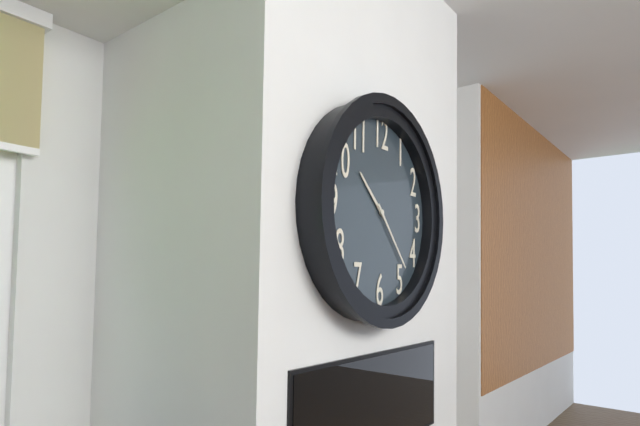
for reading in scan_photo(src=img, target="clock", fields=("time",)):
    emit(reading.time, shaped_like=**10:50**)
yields **10:23**
